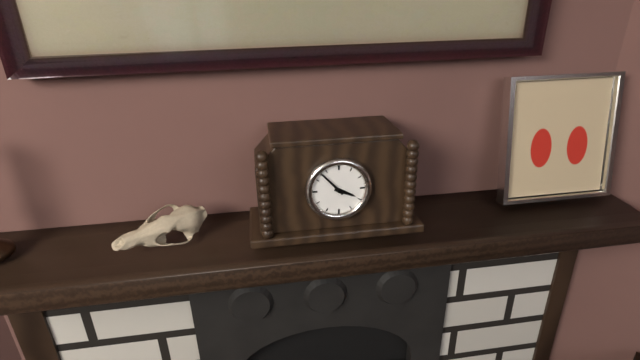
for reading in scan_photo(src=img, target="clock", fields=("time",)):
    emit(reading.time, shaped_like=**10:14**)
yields **3:53**
